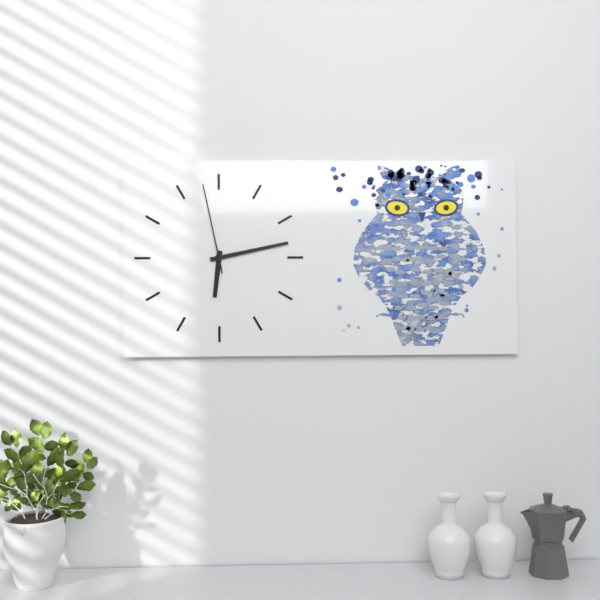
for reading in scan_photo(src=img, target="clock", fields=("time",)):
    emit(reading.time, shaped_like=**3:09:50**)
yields **6:13:58**
